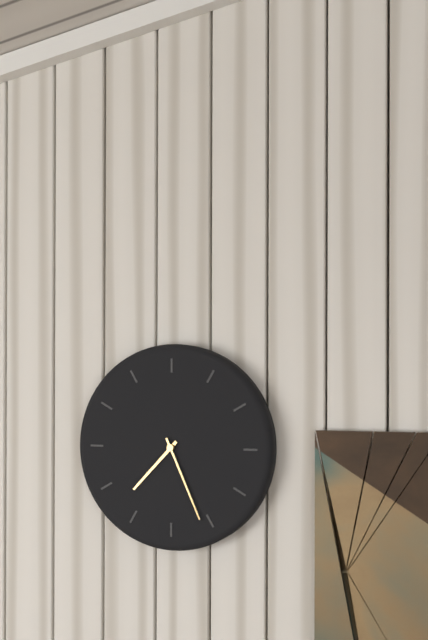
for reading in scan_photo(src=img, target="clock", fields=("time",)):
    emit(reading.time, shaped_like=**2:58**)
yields **7:26**
